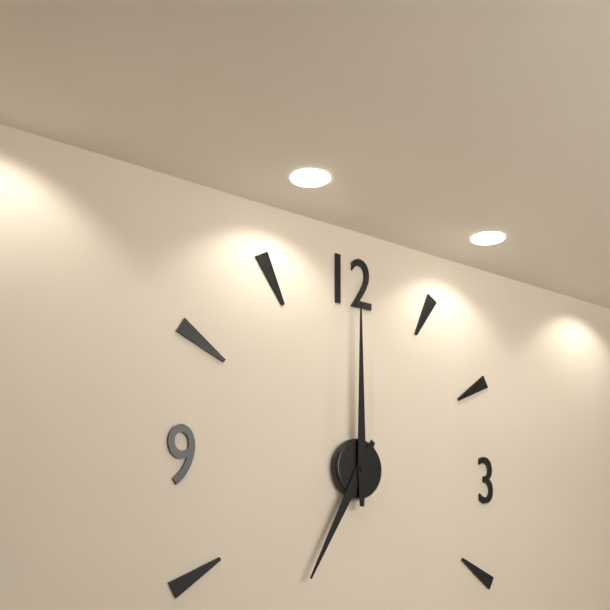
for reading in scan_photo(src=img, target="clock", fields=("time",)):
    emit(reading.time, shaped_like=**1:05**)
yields **7:00**
